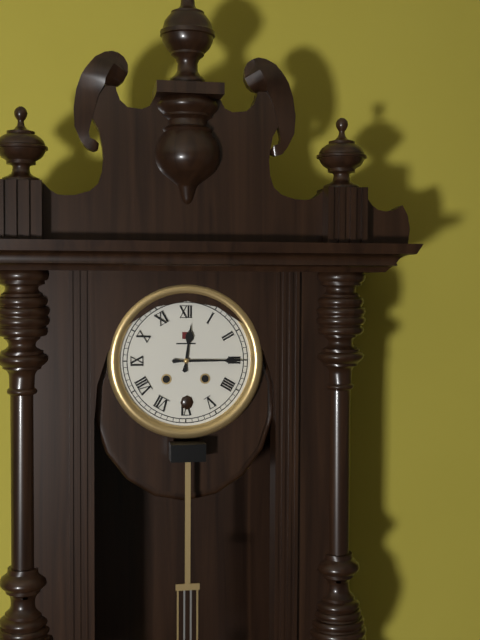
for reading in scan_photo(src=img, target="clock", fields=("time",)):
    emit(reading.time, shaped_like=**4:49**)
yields **12:15**
